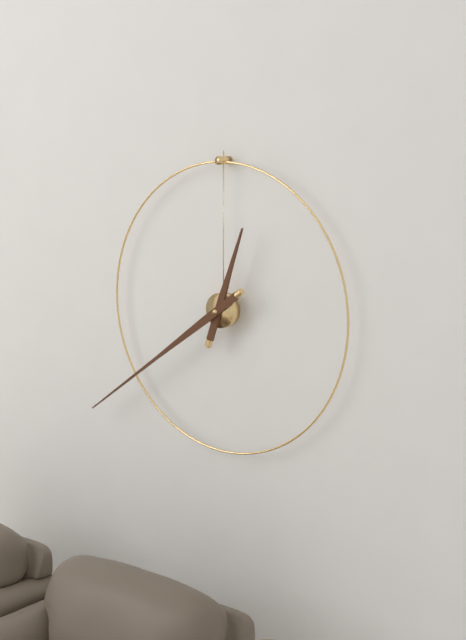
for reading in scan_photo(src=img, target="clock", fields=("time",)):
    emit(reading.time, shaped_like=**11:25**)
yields **12:39**
